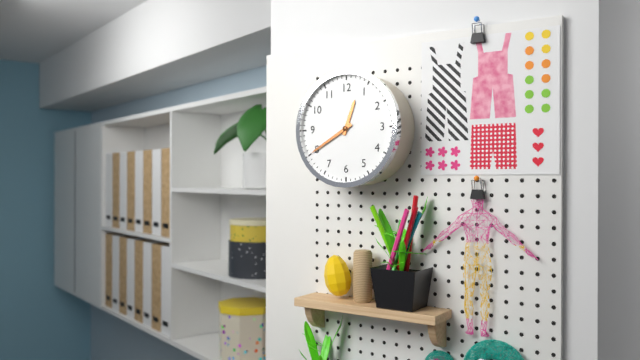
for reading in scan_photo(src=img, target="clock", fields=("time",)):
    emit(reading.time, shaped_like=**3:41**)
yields **12:40**
